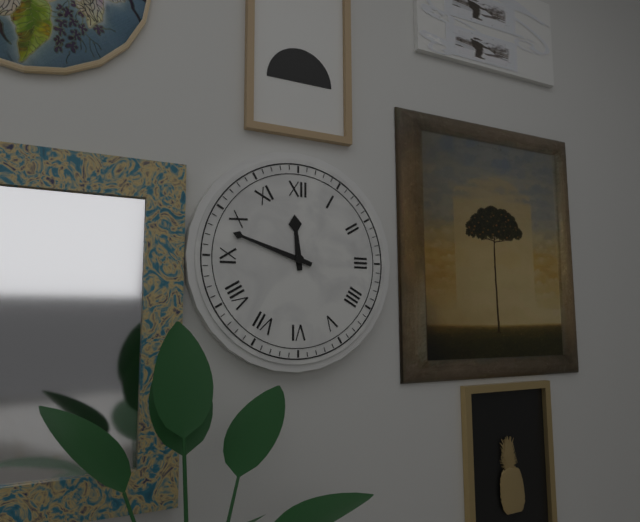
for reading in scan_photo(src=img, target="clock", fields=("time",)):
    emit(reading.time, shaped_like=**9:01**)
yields **11:48**
